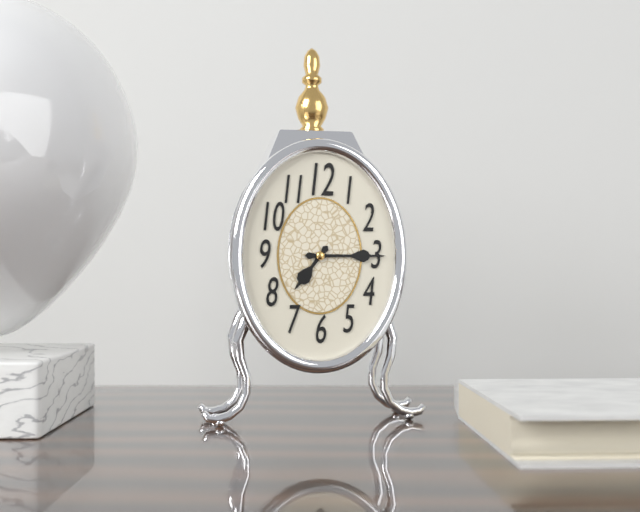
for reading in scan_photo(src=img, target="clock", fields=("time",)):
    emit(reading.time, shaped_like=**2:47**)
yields **7:15**
